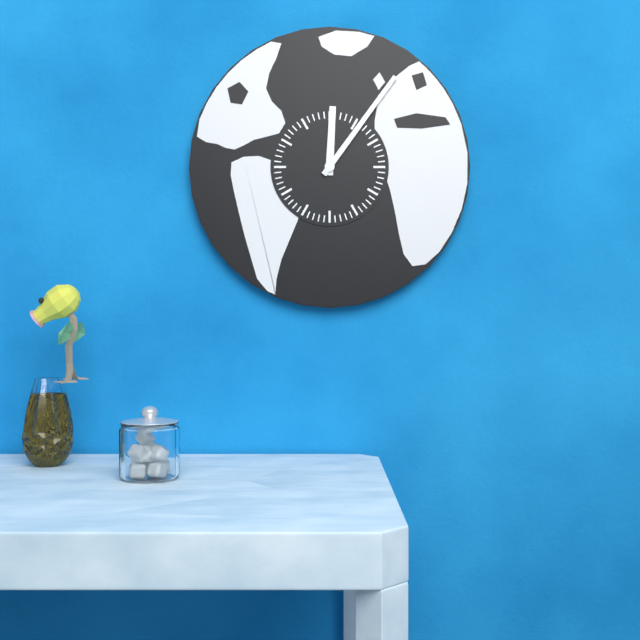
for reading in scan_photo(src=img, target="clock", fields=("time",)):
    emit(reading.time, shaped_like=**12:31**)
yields **12:06**
